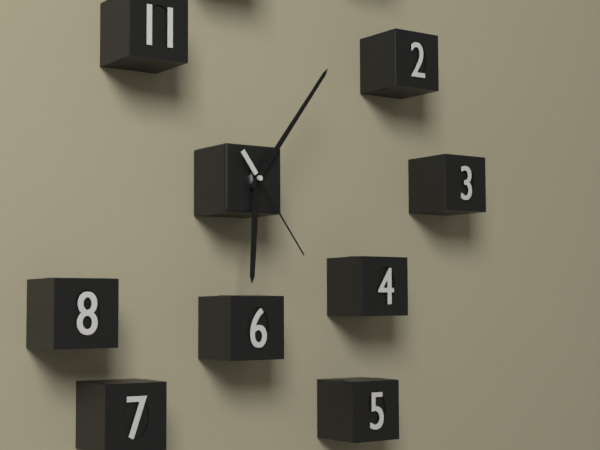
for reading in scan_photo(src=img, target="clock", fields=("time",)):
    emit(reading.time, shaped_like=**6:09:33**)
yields **6:06:24**
